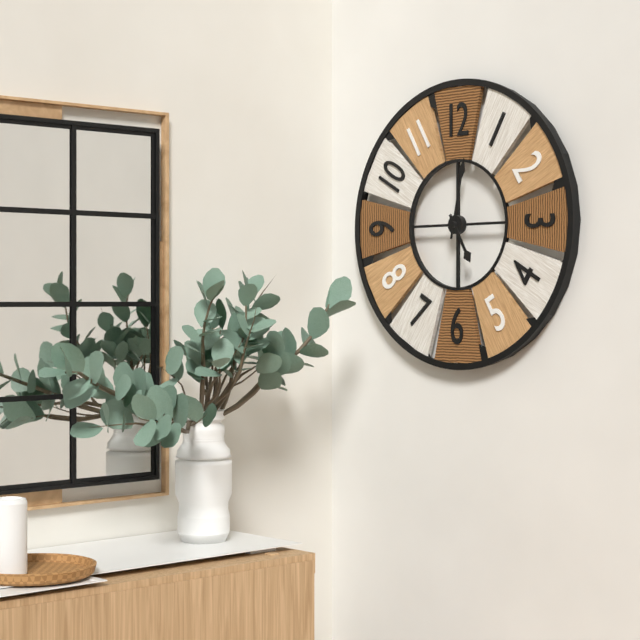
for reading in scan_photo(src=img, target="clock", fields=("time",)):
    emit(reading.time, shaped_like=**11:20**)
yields **5:02**
